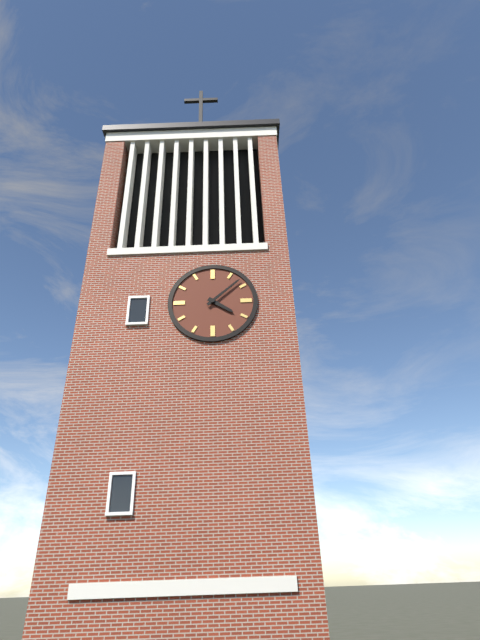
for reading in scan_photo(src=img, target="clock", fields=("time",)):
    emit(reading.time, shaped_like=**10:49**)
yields **4:08**
